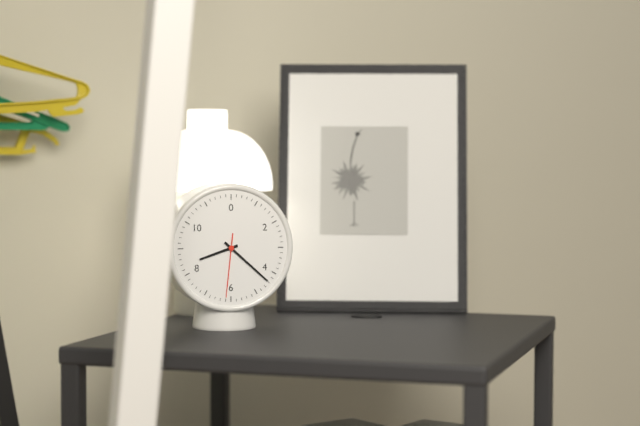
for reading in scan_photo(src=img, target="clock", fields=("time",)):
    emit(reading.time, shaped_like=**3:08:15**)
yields **8:22:31**
